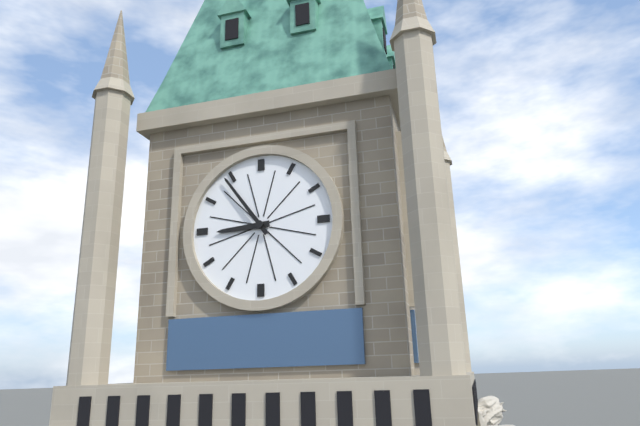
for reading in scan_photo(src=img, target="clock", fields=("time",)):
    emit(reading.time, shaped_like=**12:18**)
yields **8:54**
